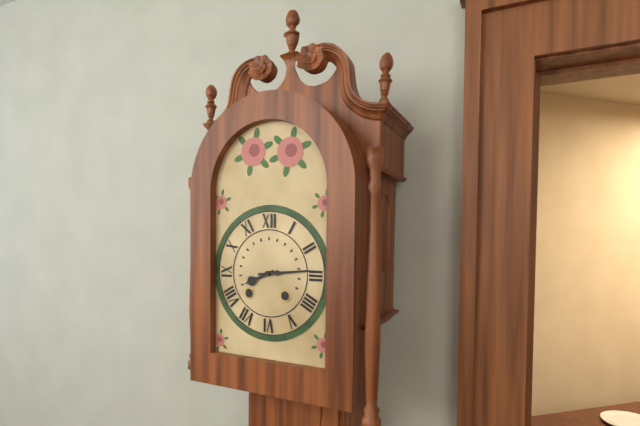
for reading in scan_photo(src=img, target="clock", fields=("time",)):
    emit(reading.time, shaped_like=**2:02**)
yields **8:14**
